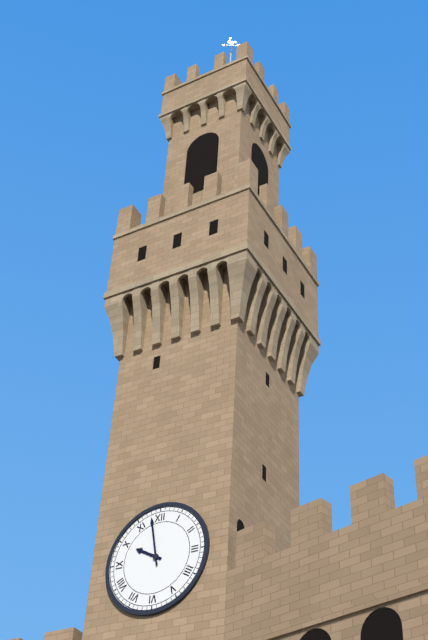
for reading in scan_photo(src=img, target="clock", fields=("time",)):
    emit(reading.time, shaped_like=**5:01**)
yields **9:58**
